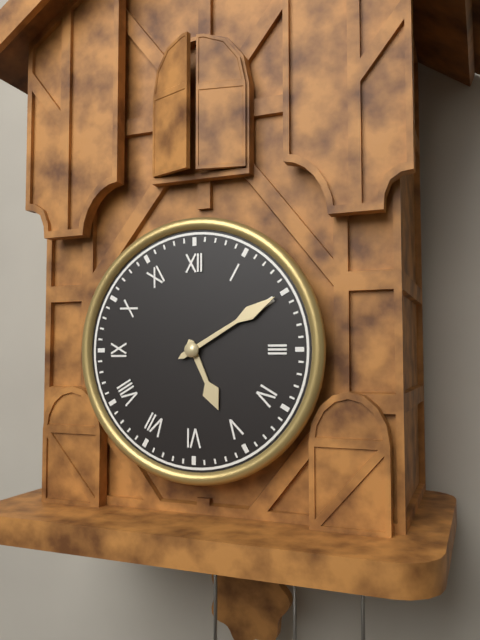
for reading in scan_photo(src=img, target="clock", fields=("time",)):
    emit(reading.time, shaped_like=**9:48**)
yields **5:10**
